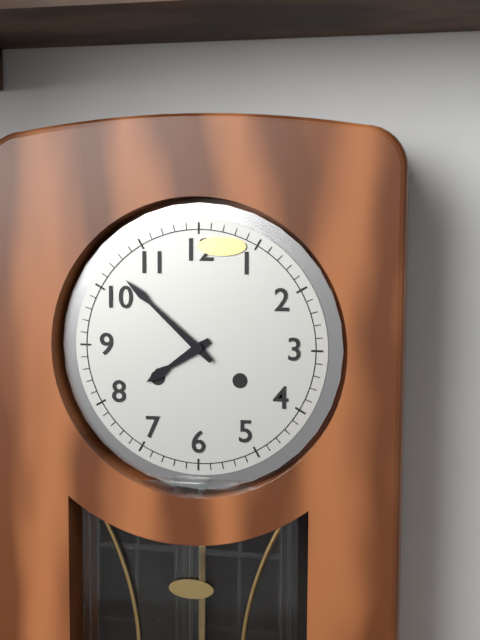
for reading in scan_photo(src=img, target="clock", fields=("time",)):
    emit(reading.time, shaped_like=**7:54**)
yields **7:52**
